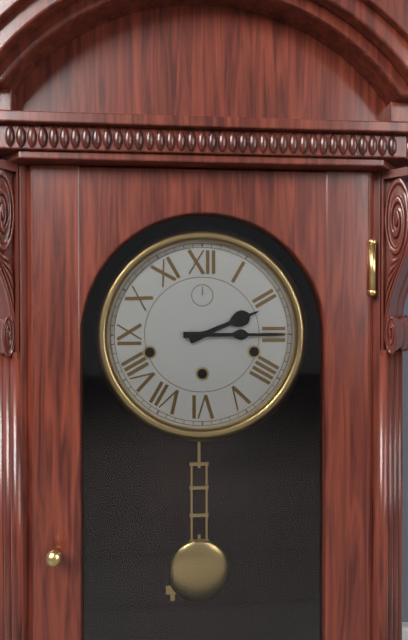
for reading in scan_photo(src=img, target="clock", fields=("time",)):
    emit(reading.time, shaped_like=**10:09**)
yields **2:15**
